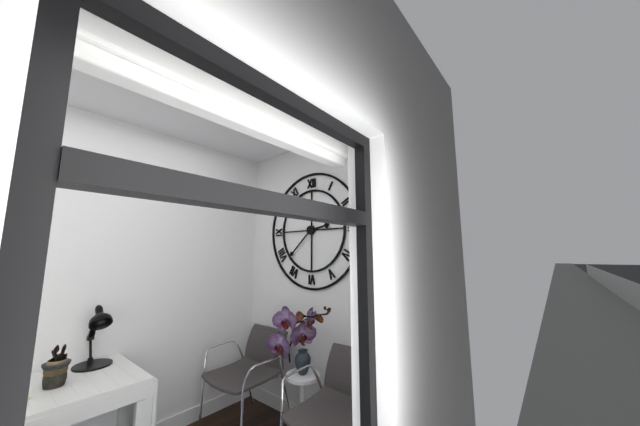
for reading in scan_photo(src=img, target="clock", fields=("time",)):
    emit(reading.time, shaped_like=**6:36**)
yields **2:38**
